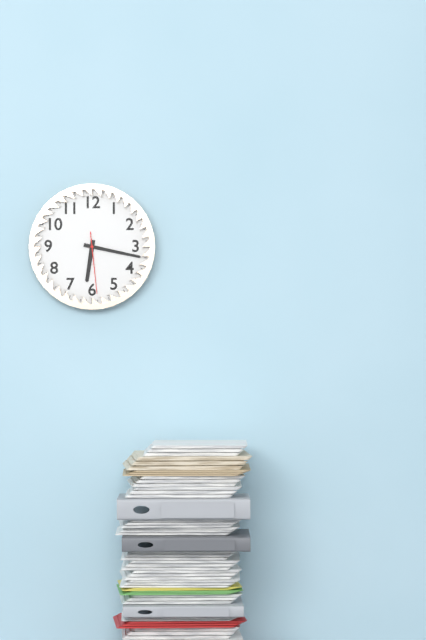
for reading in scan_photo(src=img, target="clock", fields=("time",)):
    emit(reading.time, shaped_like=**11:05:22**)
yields **6:17:29**
